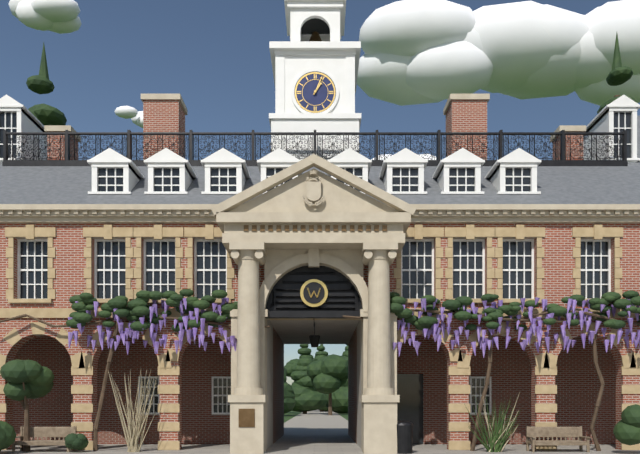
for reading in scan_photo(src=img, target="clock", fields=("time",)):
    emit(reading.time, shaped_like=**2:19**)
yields **1:04**
